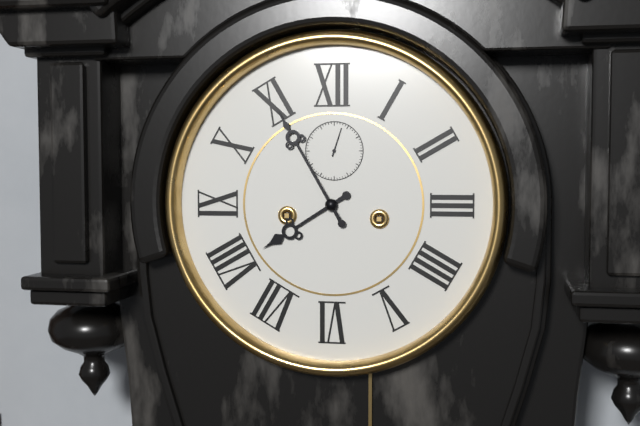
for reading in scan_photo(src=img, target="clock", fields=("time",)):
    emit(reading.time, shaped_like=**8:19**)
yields **7:55**
